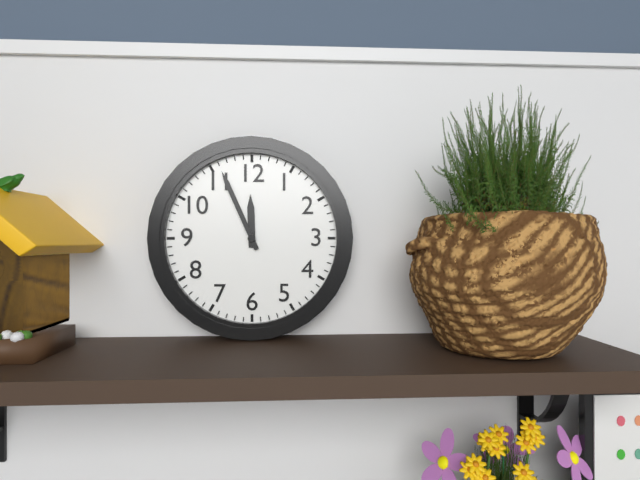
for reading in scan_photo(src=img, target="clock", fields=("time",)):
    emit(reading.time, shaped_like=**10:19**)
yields **11:56**
